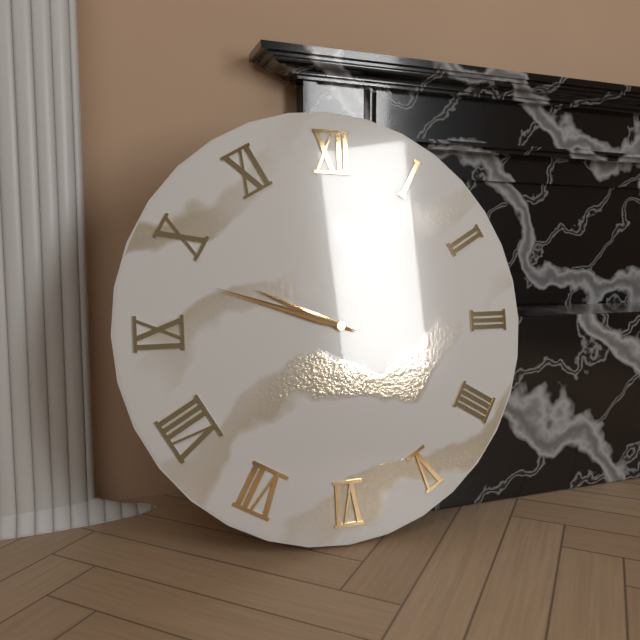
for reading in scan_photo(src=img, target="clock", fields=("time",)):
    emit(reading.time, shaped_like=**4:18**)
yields **9:48**
